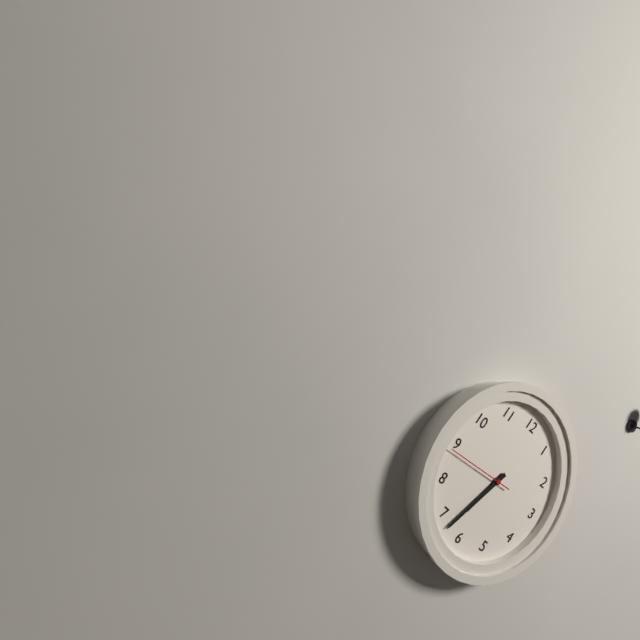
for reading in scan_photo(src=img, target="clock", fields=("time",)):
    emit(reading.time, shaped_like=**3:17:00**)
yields **6:33:44**
